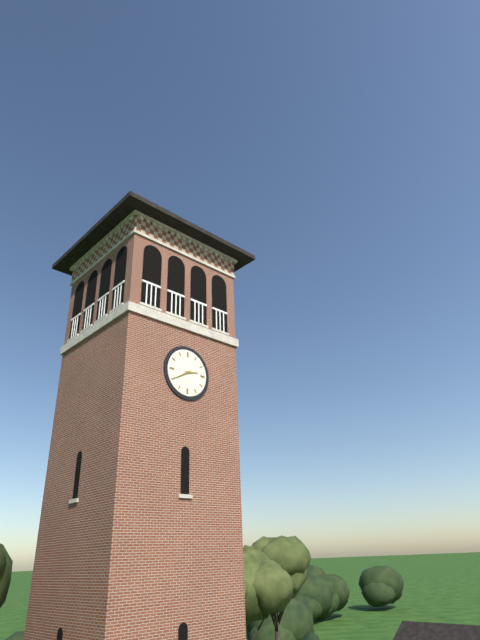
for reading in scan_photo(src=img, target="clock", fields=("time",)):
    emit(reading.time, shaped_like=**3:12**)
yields **2:40**
